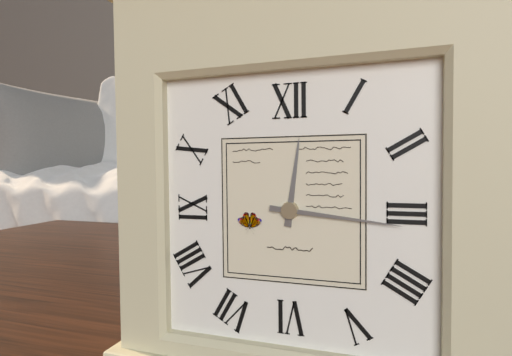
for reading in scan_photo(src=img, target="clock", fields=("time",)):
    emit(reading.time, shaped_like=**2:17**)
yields **12:16**
